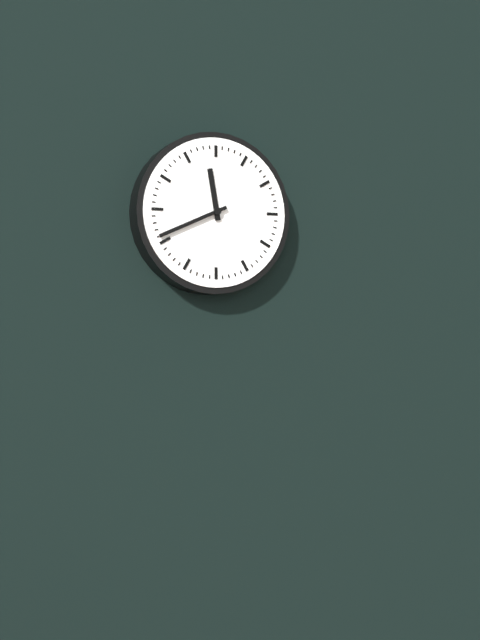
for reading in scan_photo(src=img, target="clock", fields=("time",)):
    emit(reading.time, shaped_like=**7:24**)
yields **11:41**
